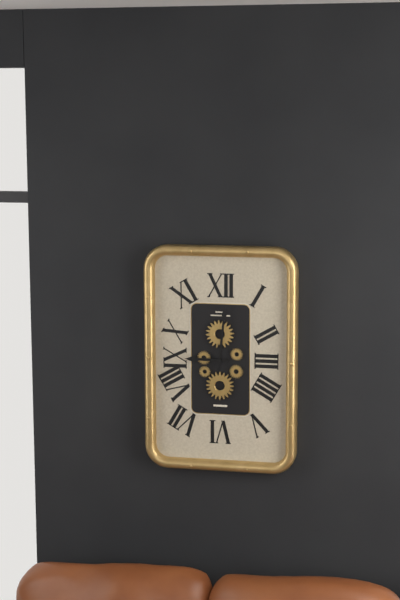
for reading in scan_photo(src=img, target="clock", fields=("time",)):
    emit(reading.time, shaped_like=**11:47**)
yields **9:01**
